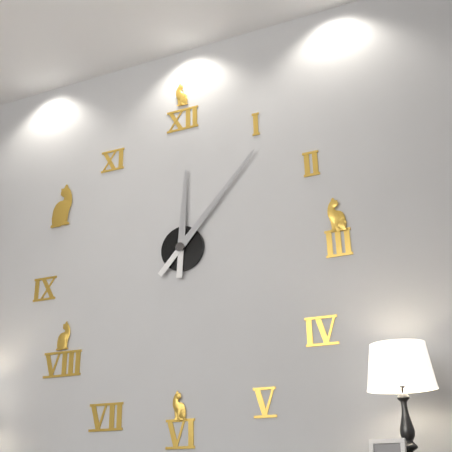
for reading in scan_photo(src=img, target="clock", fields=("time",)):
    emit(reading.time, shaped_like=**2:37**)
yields **12:07**
